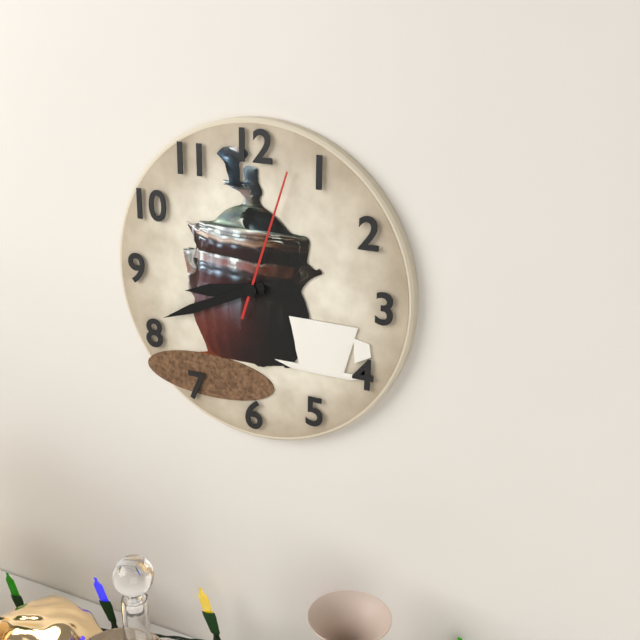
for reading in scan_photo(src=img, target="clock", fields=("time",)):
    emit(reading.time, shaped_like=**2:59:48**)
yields **8:41:03**
